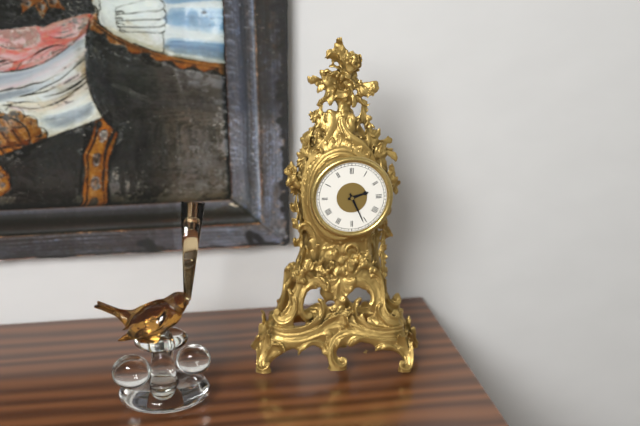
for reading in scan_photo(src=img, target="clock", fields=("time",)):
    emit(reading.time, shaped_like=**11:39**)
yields **2:26**
